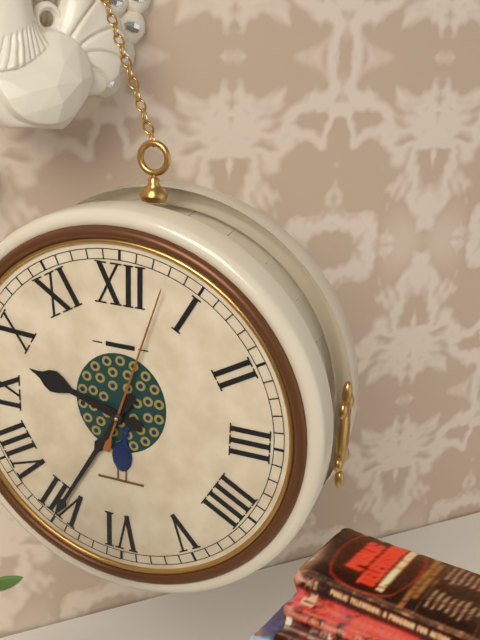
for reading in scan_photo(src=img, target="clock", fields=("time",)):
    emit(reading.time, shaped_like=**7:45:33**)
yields **9:35:03**
